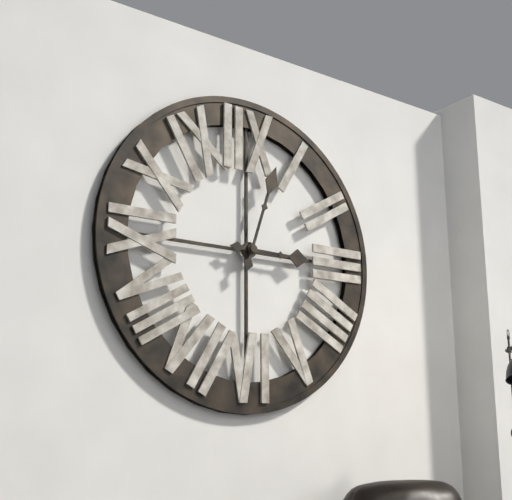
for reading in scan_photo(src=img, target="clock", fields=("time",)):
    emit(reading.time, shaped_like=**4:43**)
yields **3:03**
